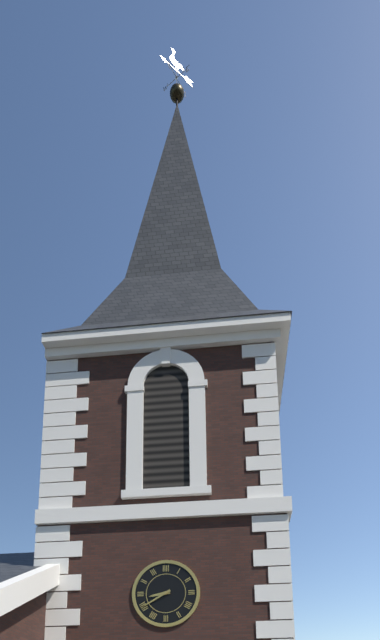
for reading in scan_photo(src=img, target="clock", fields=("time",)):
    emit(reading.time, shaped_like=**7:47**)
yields **8:40**
